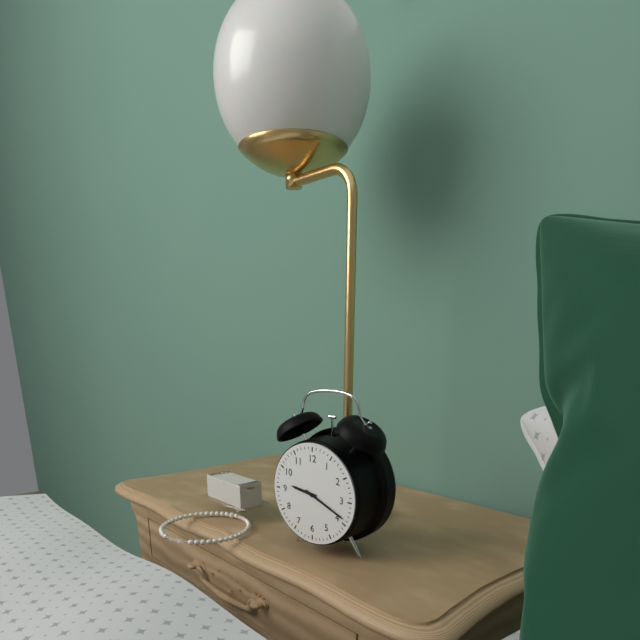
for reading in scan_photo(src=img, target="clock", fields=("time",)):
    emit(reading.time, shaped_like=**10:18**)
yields **9:19**
